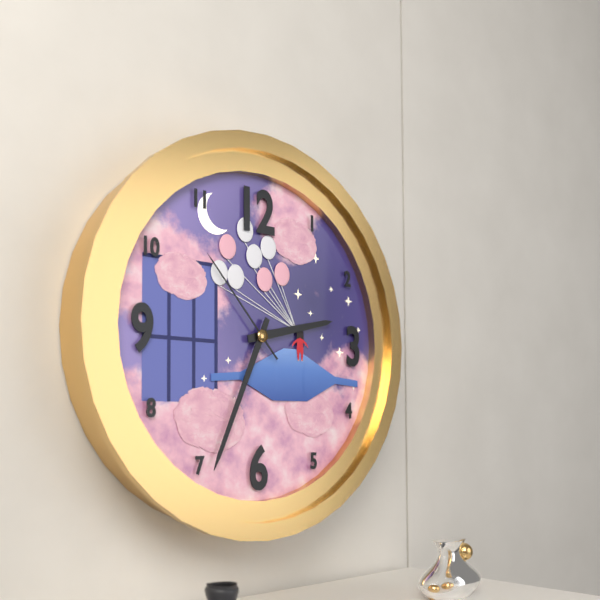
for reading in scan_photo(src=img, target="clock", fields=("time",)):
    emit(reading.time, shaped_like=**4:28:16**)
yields **2:34:53**
